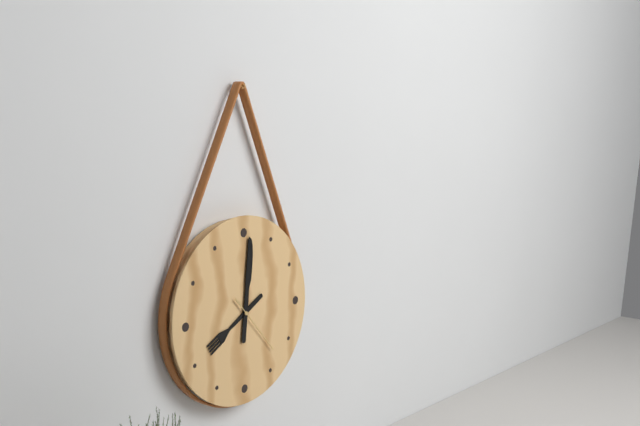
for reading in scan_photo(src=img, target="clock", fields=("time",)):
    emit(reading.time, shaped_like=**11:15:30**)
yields **8:01:23**
